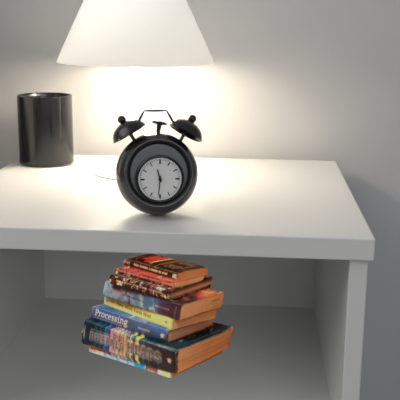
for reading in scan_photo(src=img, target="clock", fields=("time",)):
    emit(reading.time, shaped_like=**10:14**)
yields **11:31**
